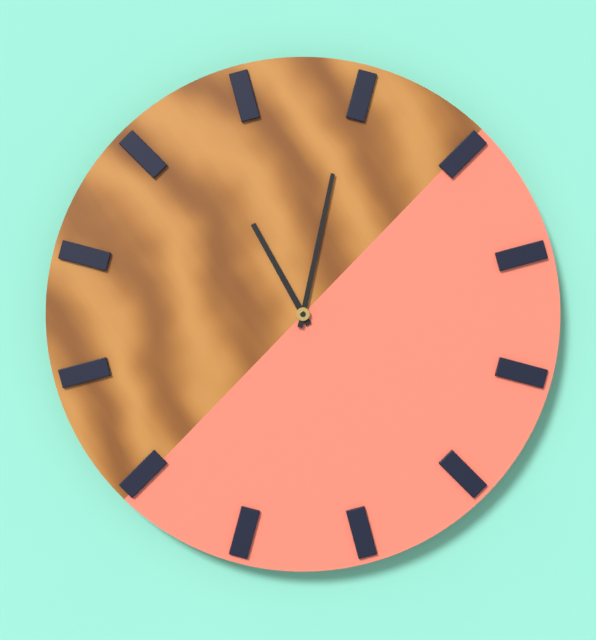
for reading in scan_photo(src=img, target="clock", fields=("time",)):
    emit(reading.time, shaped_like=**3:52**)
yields **11:02**
